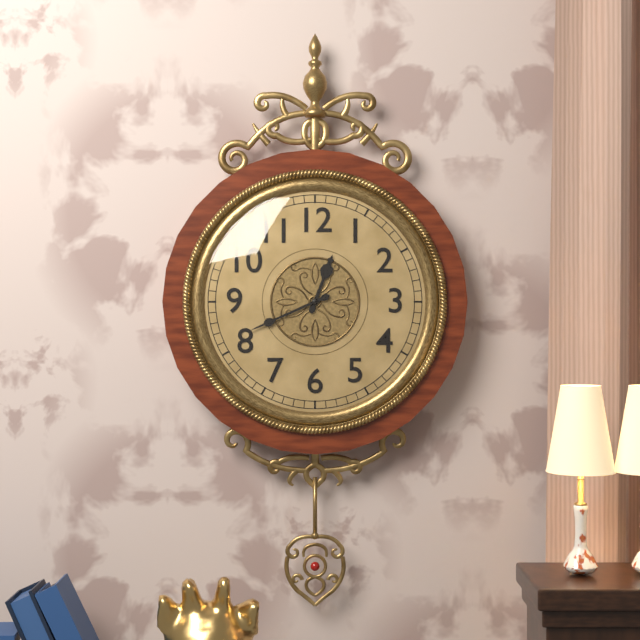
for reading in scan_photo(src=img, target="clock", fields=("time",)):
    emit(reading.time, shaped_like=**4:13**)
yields **12:41**
